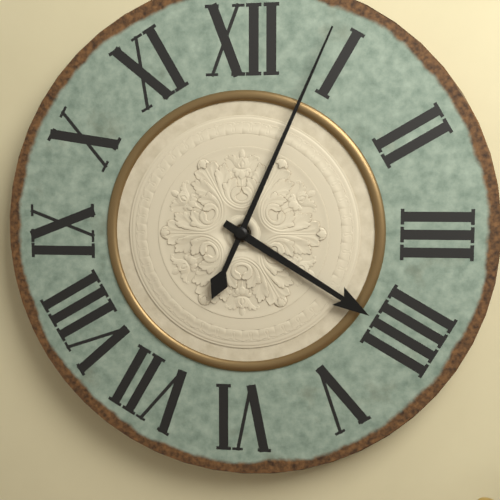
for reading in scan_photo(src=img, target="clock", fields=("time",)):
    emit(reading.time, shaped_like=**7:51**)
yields **4:04**
